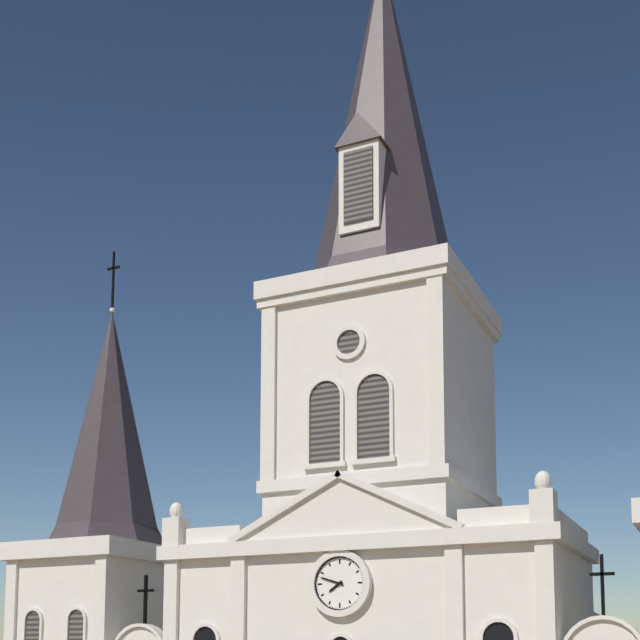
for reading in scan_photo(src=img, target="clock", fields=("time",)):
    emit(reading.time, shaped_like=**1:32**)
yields **7:48**
